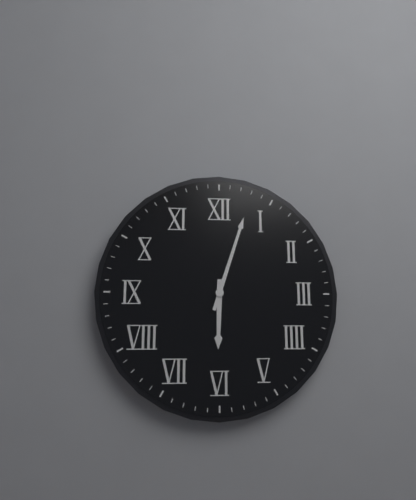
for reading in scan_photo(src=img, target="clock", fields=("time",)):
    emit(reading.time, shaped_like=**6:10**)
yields **6:03**
